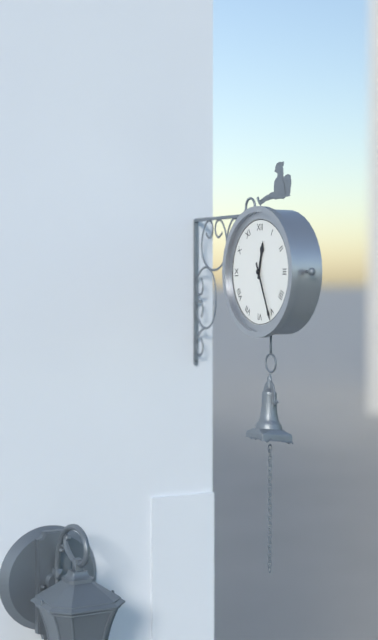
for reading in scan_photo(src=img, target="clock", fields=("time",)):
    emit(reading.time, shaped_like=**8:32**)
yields **12:26**
